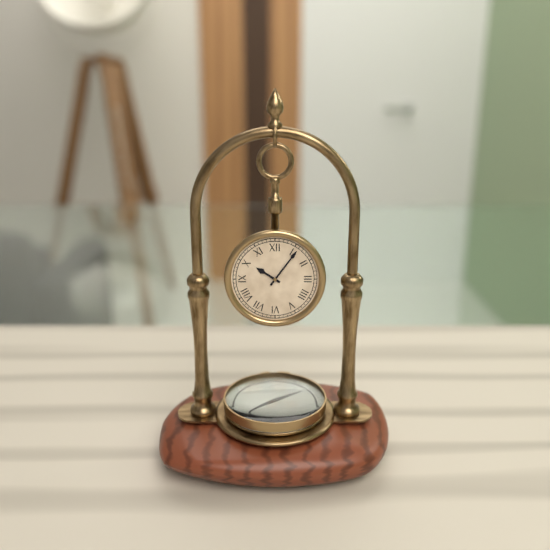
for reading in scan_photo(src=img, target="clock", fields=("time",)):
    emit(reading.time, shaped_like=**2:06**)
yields **10:06**
